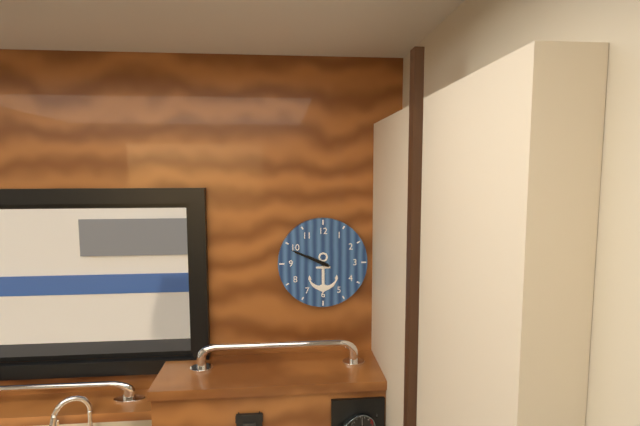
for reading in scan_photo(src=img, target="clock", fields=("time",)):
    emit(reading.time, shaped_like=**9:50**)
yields **9:49**
